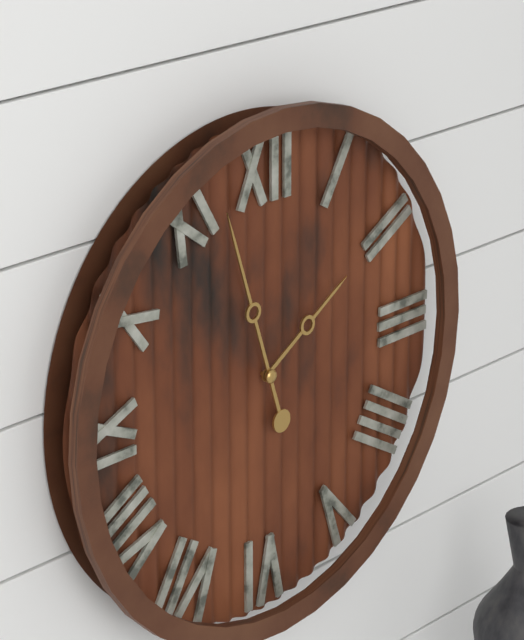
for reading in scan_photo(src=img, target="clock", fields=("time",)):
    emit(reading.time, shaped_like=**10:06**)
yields **1:57**
